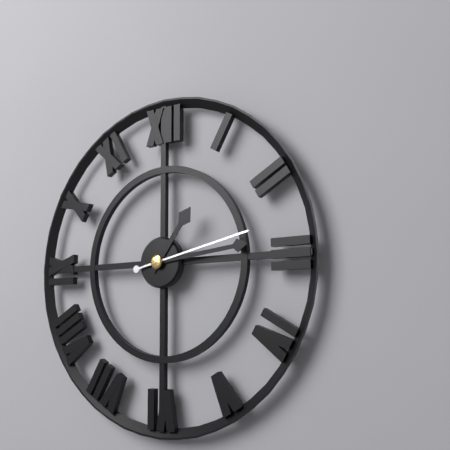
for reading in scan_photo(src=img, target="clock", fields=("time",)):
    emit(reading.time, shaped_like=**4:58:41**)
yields **1:14:13**
